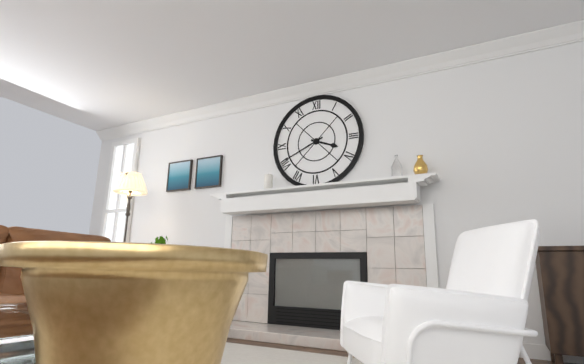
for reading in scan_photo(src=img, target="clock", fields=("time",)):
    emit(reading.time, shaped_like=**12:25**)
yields **3:41**
